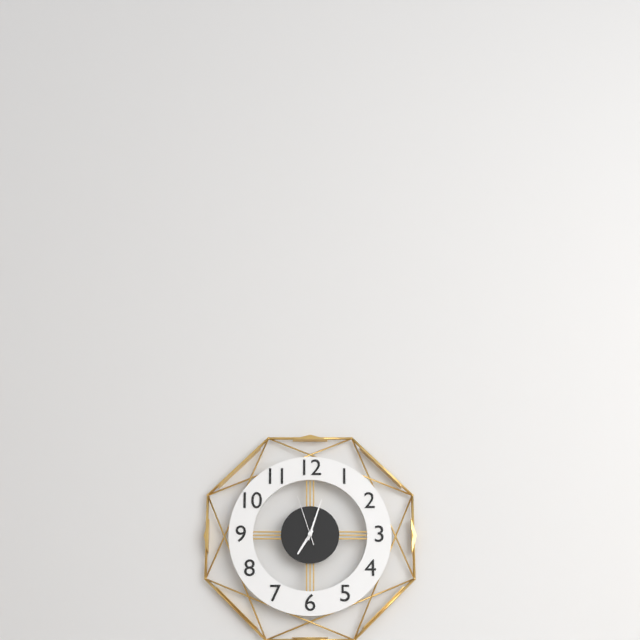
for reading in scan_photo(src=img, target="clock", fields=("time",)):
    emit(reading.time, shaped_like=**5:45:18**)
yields **7:03:57**
